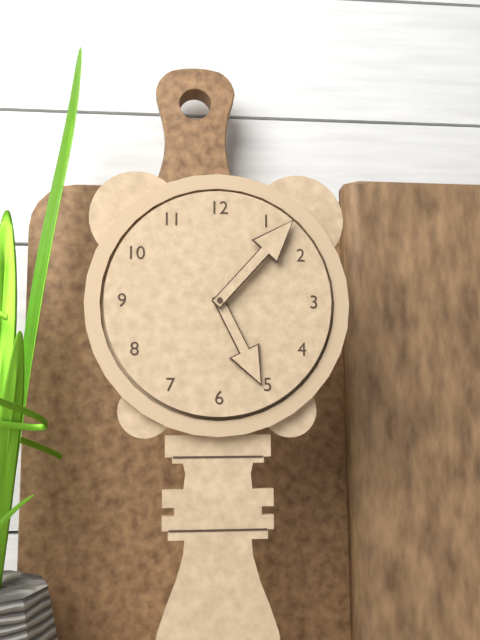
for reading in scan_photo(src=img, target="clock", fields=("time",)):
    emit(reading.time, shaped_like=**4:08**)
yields **5:07**
